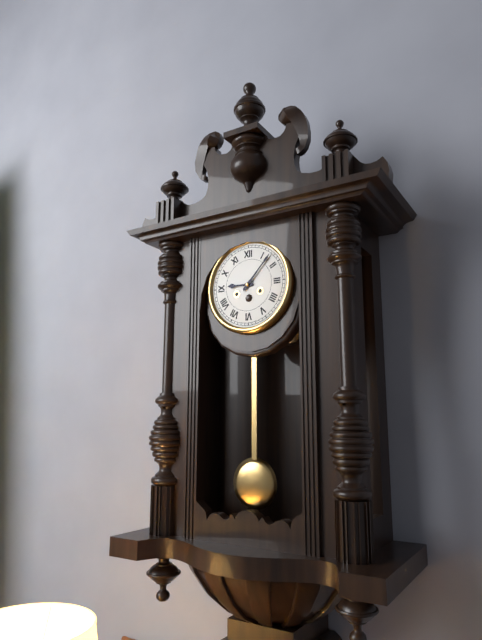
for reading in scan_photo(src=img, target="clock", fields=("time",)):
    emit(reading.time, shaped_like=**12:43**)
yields **9:07**
